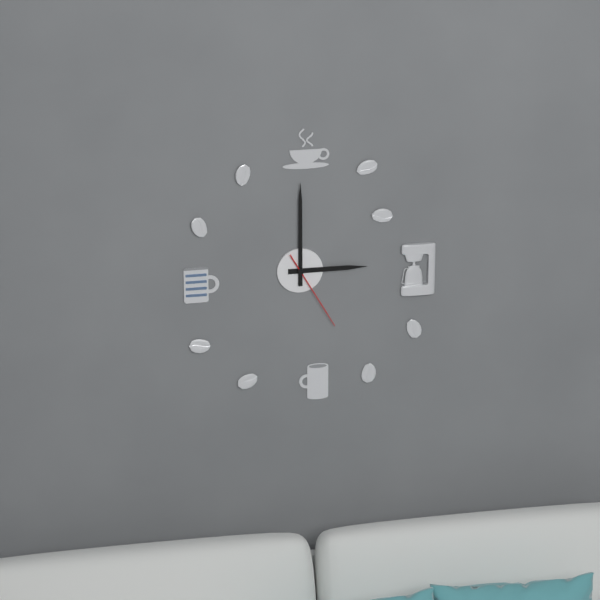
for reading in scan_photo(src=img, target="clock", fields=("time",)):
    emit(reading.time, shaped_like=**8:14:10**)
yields **3:00:25**
